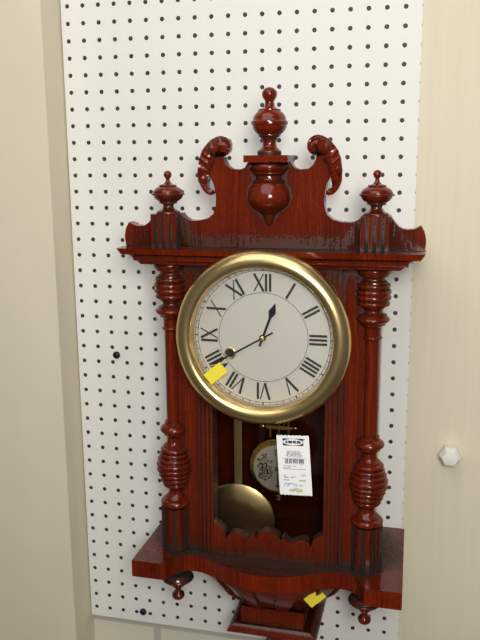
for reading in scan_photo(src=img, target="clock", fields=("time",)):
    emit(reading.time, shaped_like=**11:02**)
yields **12:40**
